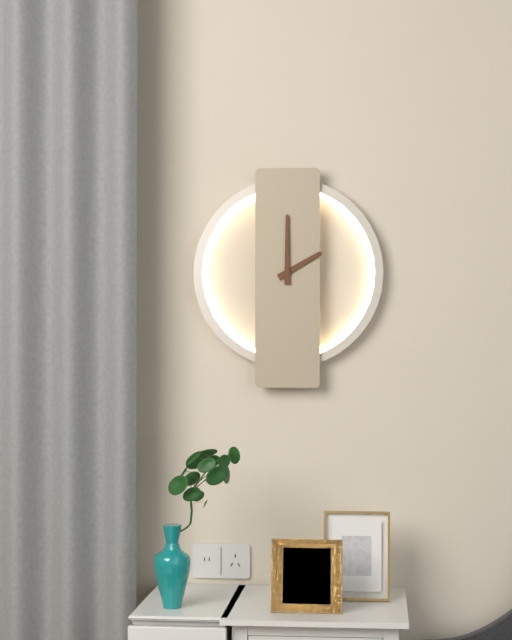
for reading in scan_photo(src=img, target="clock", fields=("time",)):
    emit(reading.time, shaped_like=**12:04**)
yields **2:00**
